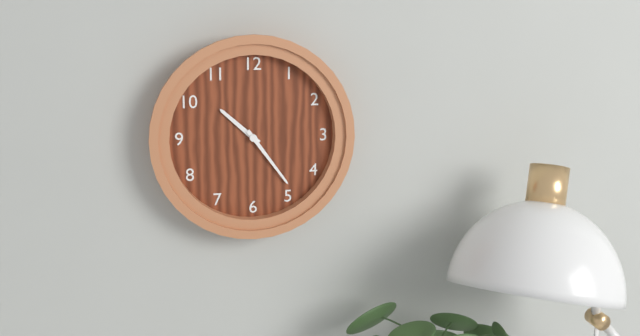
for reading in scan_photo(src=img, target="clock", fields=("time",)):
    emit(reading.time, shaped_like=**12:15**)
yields **10:24**
